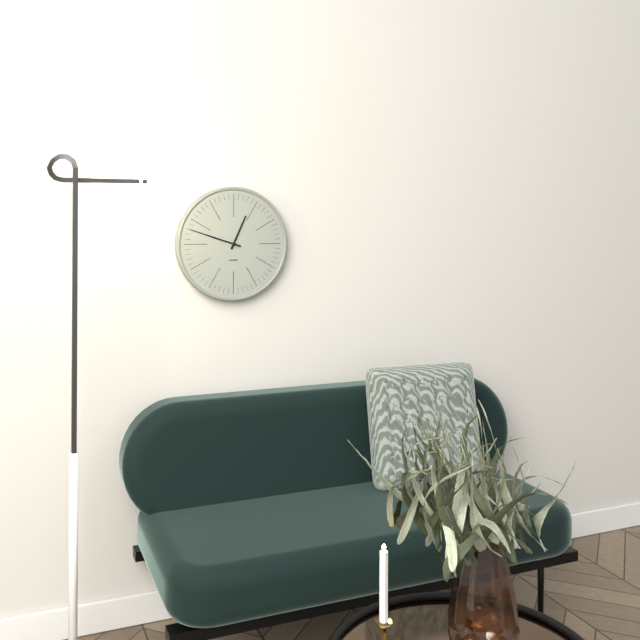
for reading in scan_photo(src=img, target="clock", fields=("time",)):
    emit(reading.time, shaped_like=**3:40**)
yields **12:48**
